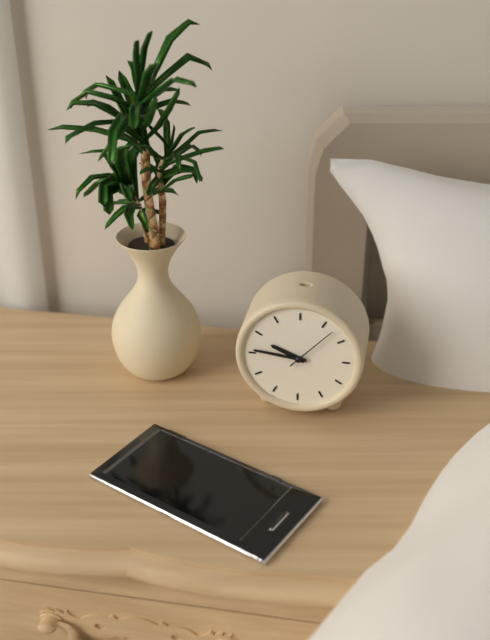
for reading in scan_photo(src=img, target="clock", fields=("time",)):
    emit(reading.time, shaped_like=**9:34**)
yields **9:46**
